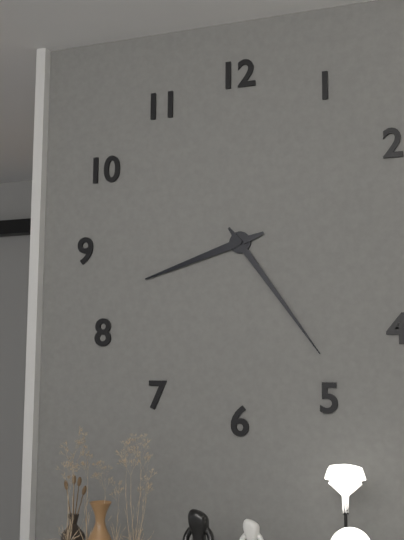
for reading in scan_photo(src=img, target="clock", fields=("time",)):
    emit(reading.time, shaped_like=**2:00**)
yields **8:24**
